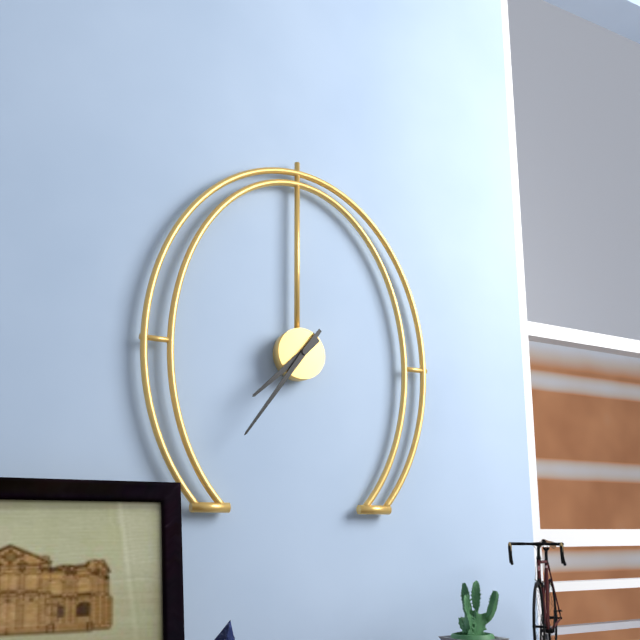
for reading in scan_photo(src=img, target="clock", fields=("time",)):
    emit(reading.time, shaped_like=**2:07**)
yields **7:36**
